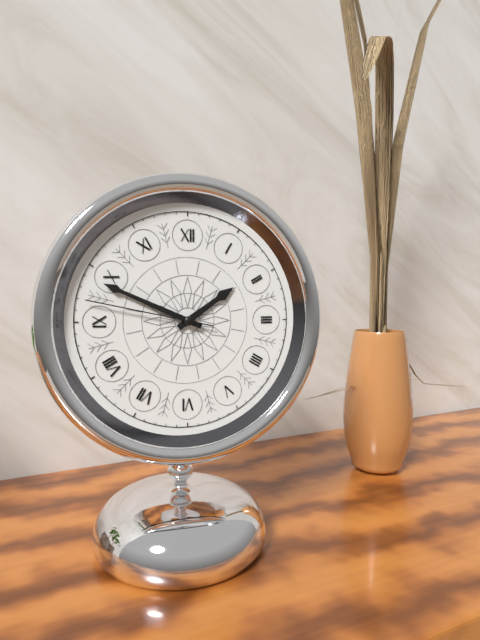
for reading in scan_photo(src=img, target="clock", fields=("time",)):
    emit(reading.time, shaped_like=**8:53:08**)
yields **1:49:47**
